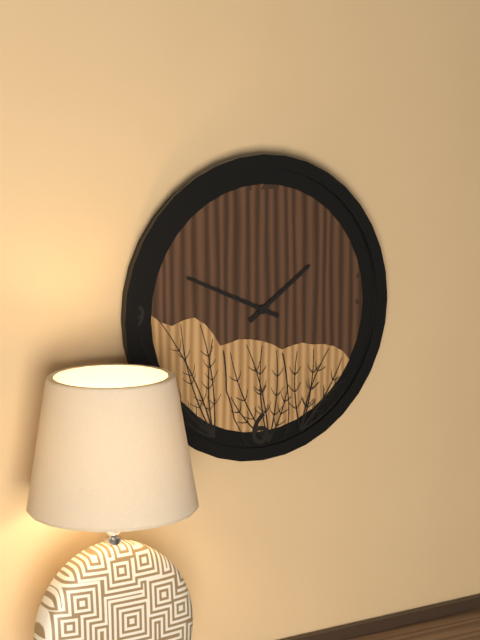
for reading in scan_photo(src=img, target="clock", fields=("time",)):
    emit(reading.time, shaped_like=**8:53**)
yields **1:49**
